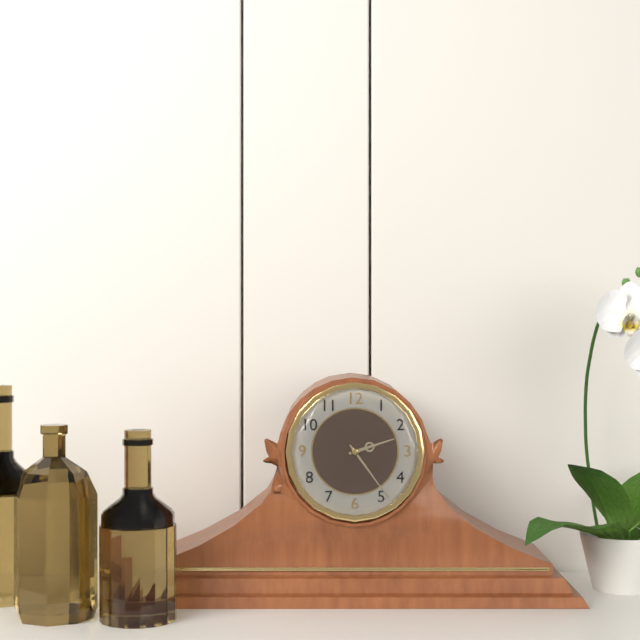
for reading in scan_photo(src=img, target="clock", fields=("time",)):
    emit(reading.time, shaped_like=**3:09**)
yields **2:24**
